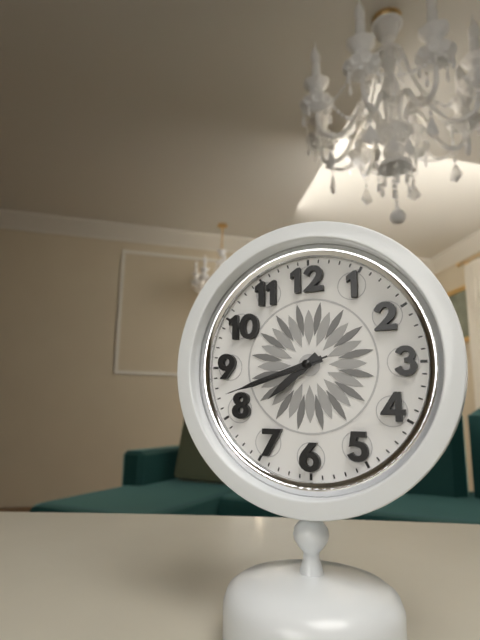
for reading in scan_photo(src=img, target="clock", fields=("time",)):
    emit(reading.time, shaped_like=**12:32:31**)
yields **7:42:42**
